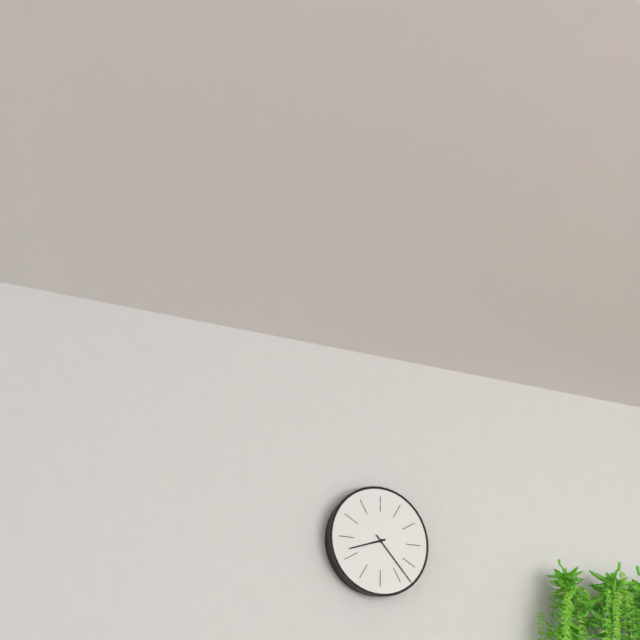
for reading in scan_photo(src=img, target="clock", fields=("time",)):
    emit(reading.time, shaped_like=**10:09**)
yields **8:23**
